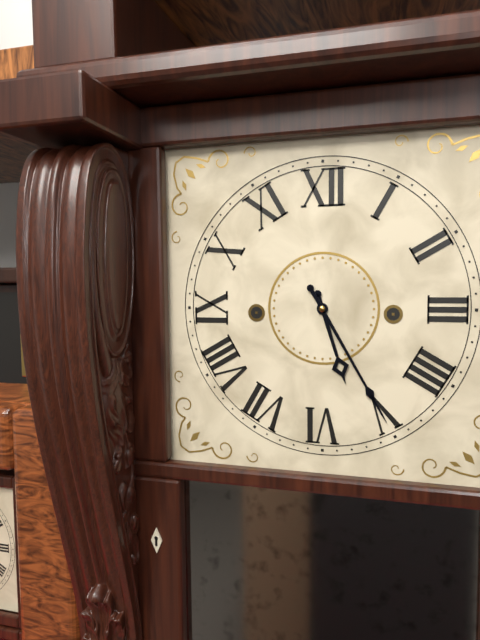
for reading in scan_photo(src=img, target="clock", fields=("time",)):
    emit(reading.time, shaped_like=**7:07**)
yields **5:25**
